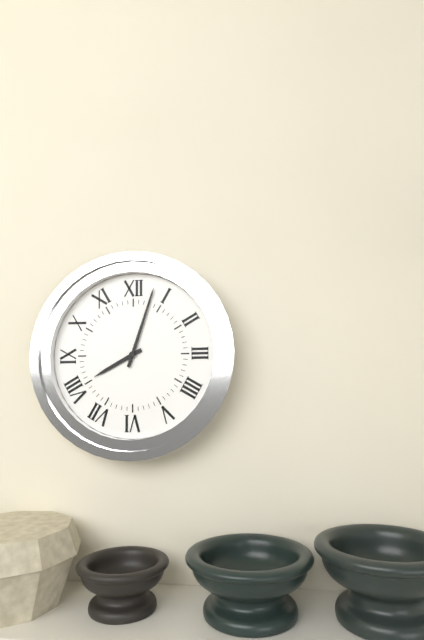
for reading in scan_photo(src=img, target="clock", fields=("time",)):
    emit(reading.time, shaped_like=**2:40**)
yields **8:03**
